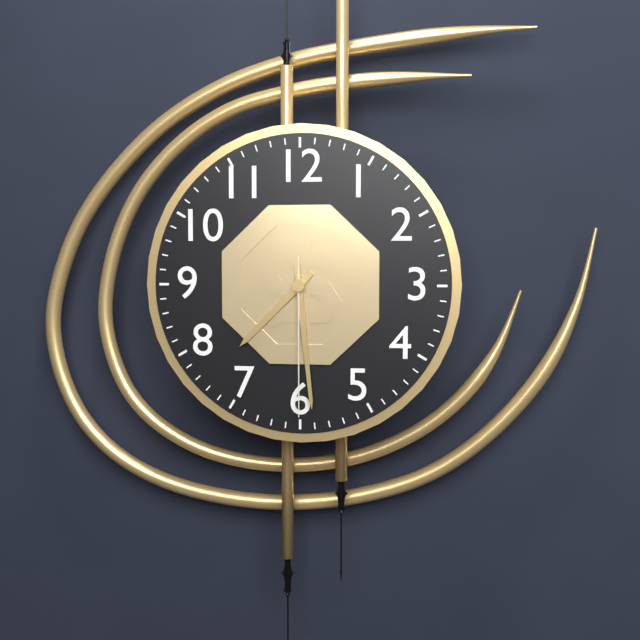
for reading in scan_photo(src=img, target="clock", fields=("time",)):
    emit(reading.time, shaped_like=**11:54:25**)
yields **7:29:30**
